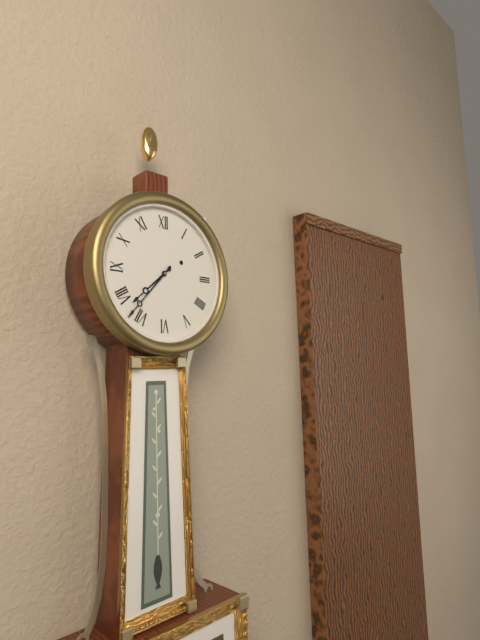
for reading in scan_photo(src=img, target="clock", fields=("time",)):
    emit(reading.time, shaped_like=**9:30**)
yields **7:37**
